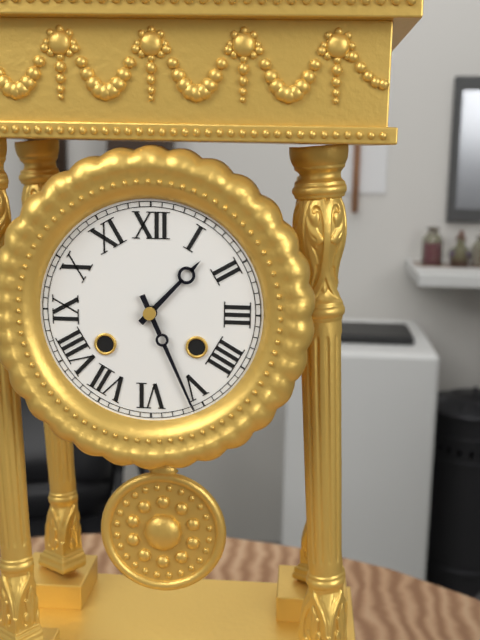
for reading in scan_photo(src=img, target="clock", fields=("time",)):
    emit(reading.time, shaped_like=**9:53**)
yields **1:26**
